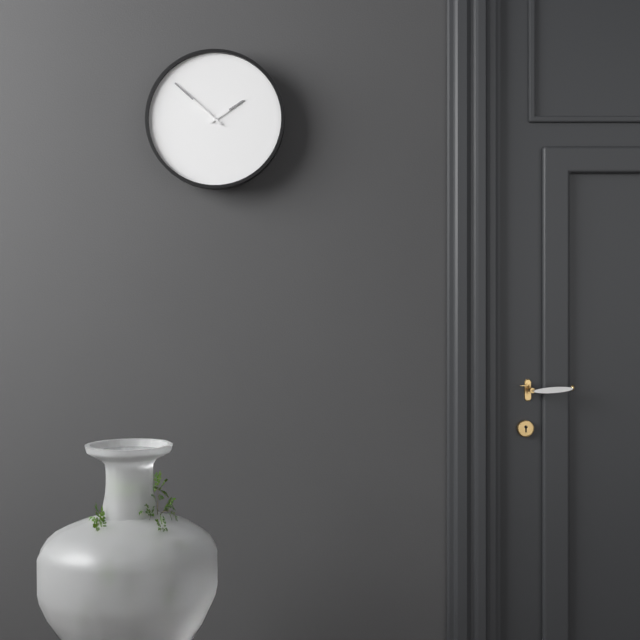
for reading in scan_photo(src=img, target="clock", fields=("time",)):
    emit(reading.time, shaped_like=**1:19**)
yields **1:52**
